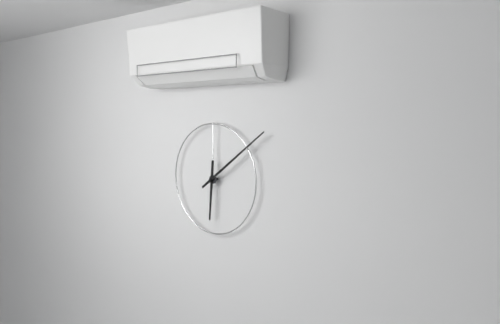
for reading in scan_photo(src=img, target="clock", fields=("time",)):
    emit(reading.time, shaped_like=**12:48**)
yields **6:09**
